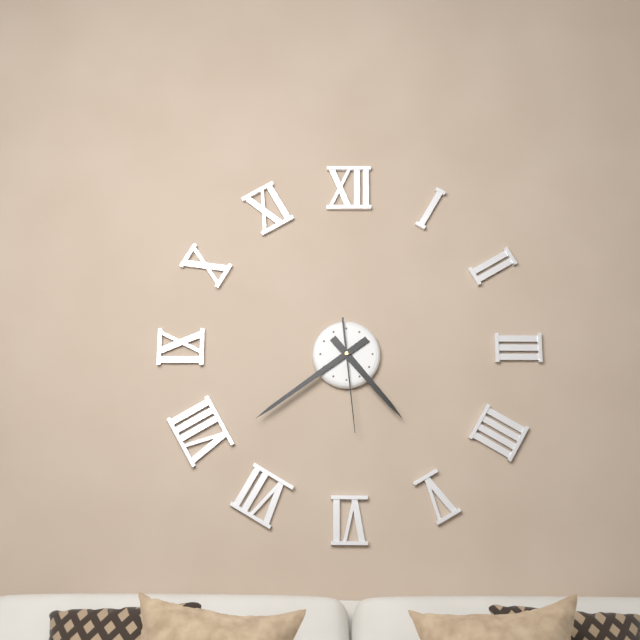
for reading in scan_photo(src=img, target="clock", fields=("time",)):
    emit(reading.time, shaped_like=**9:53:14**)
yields **4:39:29**
